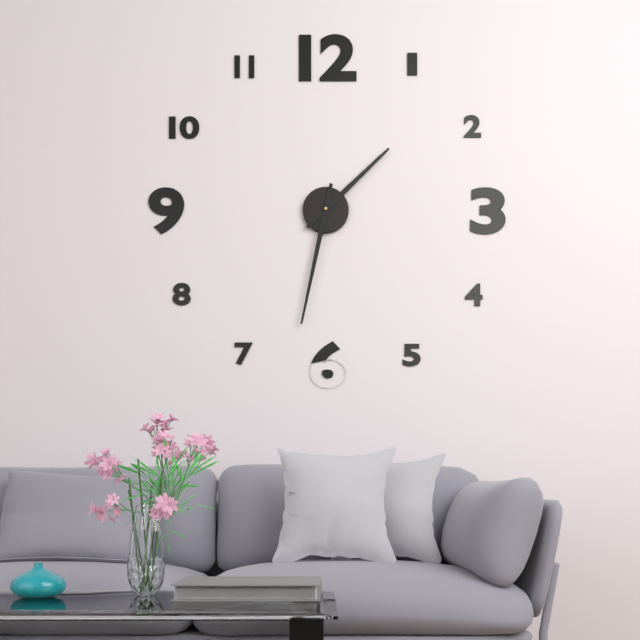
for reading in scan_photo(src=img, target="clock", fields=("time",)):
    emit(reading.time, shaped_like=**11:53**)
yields **1:32**
